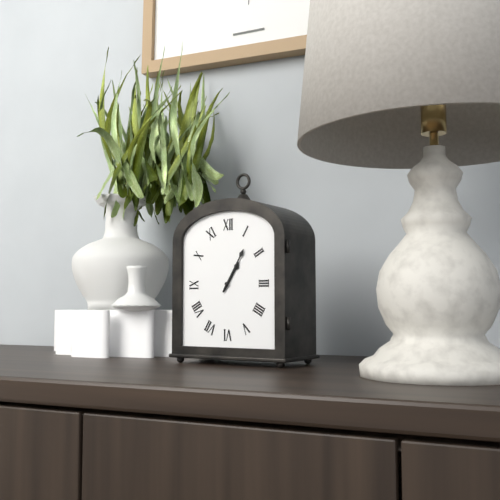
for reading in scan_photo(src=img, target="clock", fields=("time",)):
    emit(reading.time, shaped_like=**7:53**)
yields **1:05**
